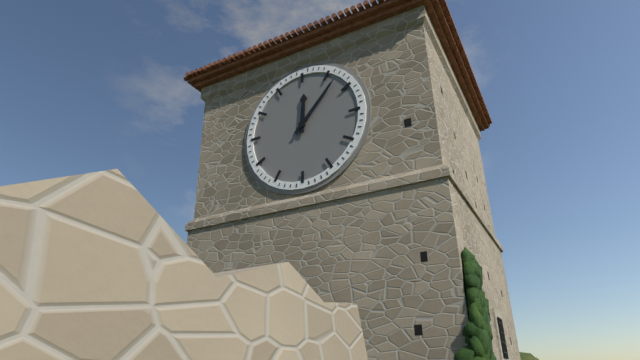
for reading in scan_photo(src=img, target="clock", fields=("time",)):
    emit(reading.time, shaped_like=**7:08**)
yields **12:07**
